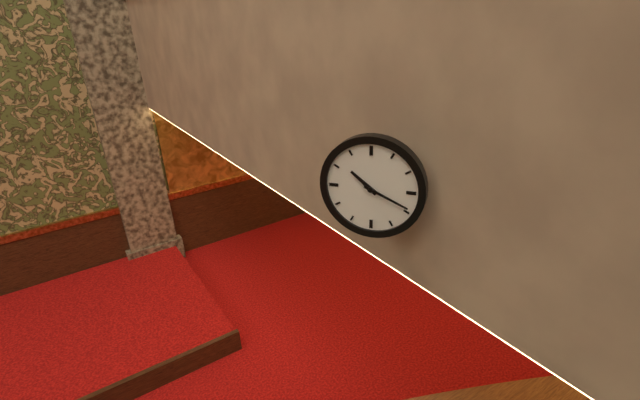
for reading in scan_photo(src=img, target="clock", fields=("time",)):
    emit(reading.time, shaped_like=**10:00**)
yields **10:19**
